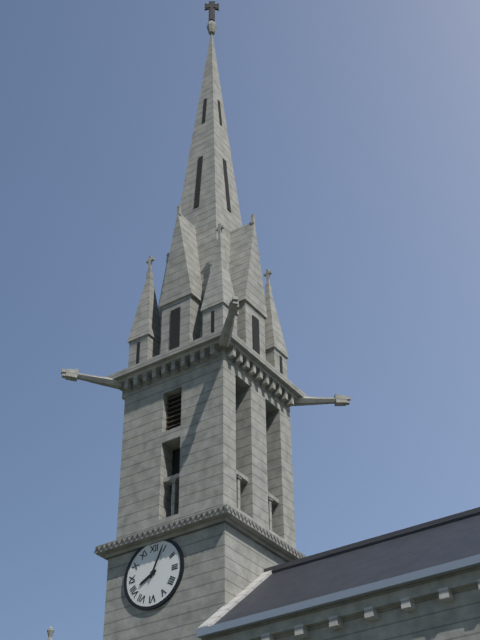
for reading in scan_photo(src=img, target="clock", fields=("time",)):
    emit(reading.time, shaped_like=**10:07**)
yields **8:04**
